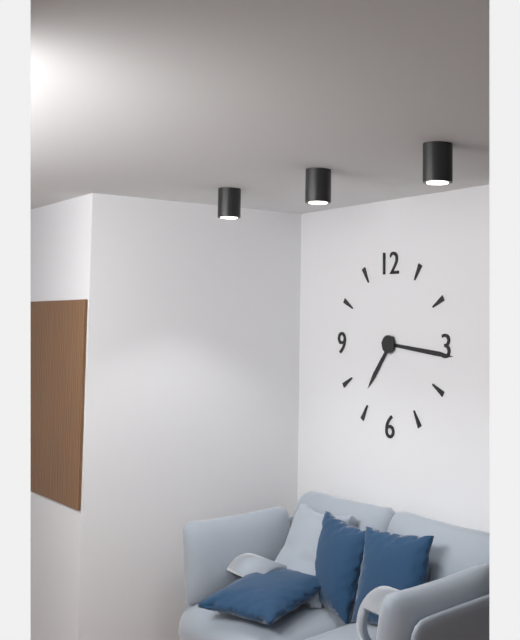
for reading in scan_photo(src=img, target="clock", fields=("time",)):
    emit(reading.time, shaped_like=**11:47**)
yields **7:16**
